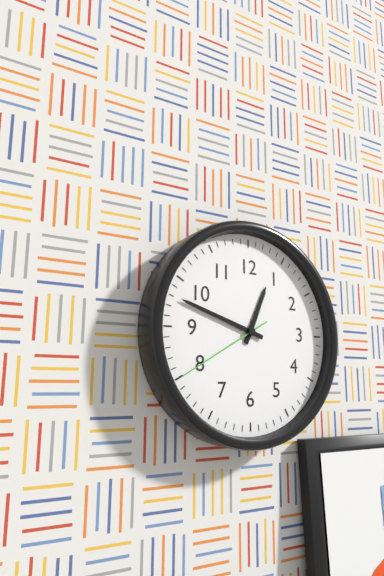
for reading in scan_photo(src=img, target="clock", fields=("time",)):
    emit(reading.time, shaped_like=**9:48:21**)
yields **12:48:40**
